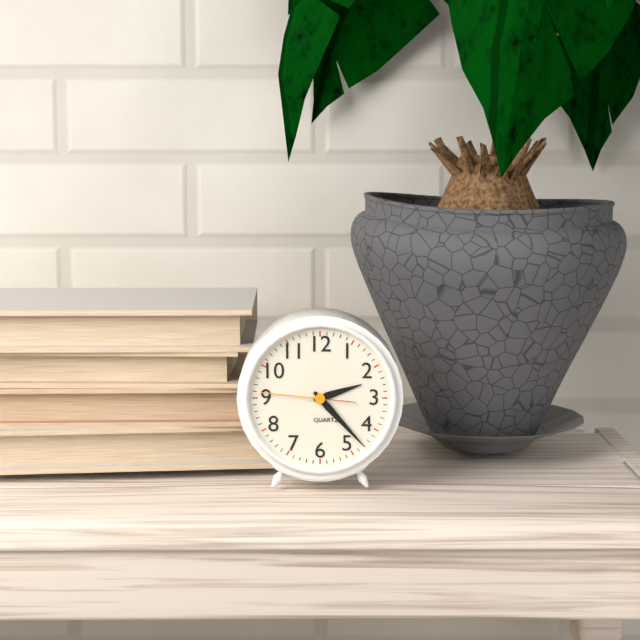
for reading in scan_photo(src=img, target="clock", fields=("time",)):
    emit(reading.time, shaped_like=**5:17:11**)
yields **2:23:46**
